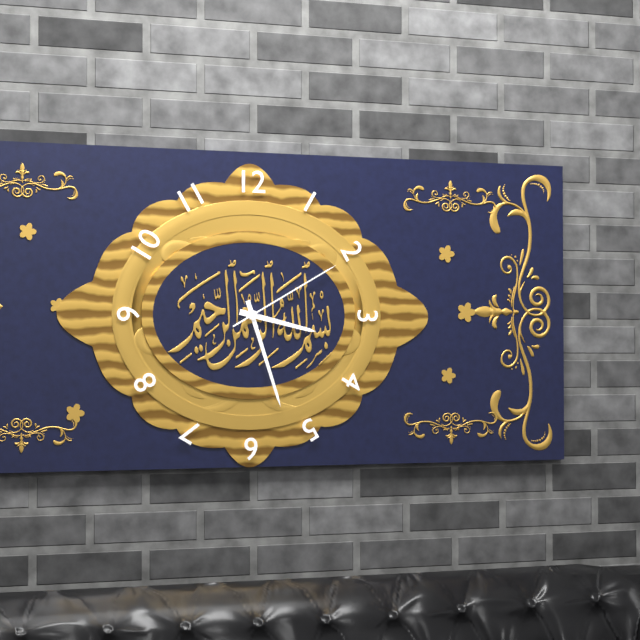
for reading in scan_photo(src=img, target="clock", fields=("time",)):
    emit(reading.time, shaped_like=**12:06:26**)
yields **3:27:10**
